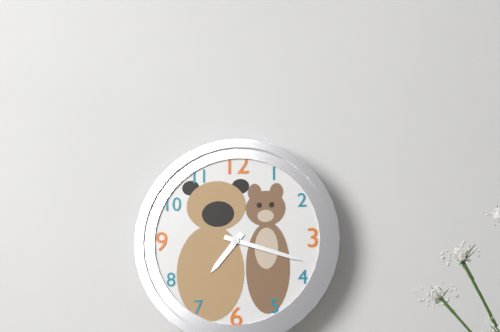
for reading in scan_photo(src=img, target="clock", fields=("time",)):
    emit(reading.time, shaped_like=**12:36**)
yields **7:18**
